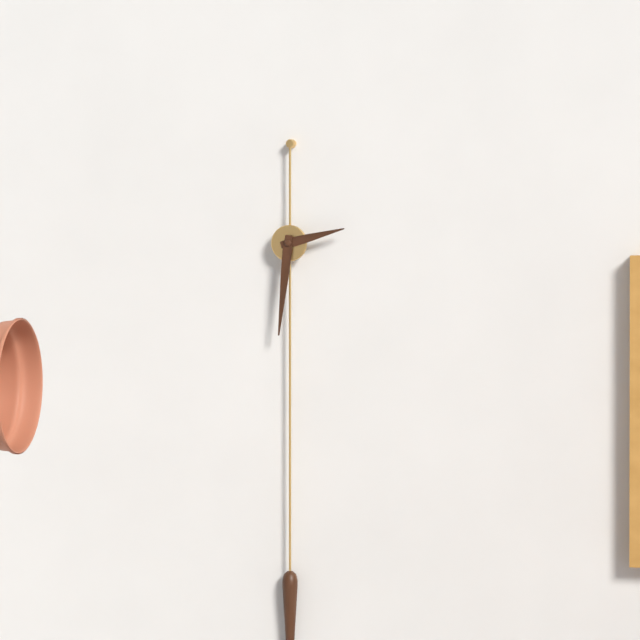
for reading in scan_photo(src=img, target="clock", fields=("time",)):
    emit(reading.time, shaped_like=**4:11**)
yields **2:31**
